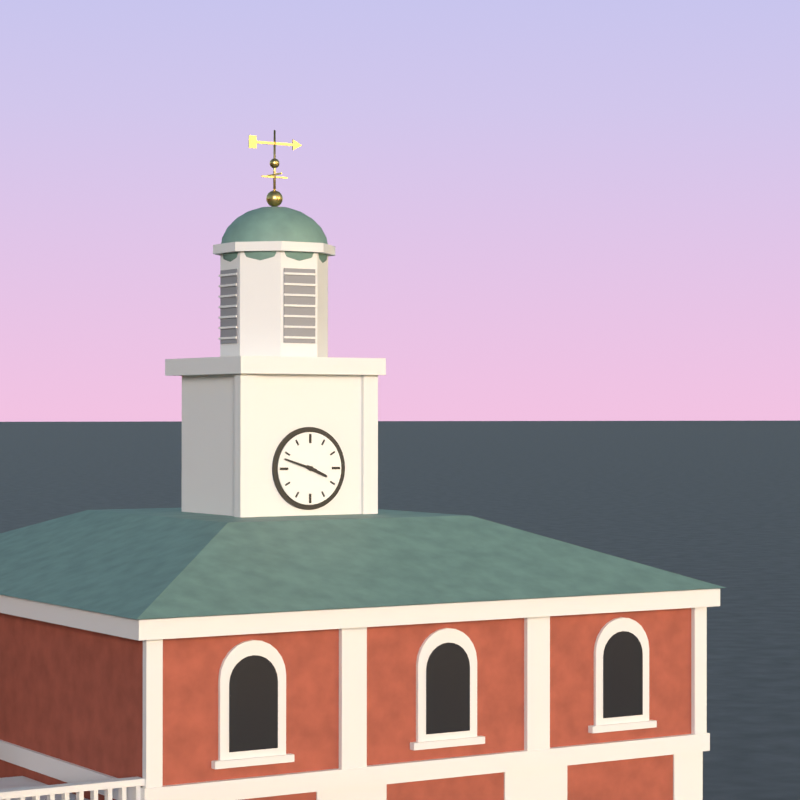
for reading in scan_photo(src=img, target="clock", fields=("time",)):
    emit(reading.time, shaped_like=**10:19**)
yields **3:48**
